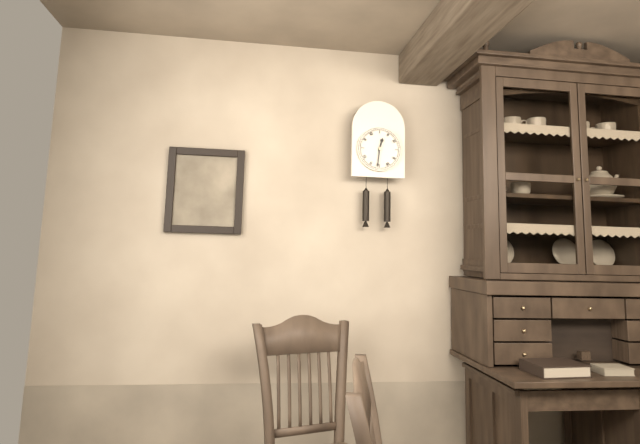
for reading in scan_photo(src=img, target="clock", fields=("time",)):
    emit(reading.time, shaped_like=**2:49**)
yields **12:31**
